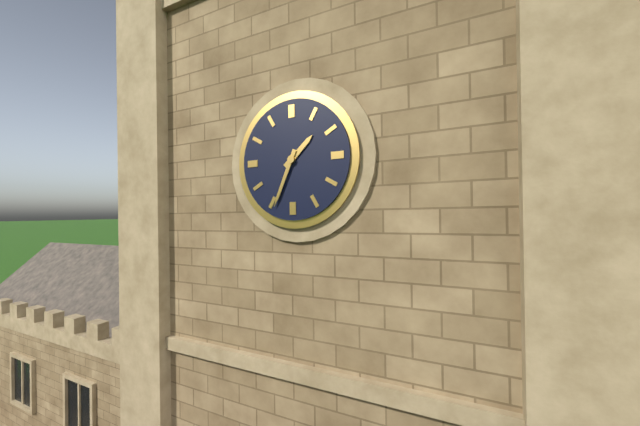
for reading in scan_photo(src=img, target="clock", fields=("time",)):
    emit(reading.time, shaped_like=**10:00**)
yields **1:34**
